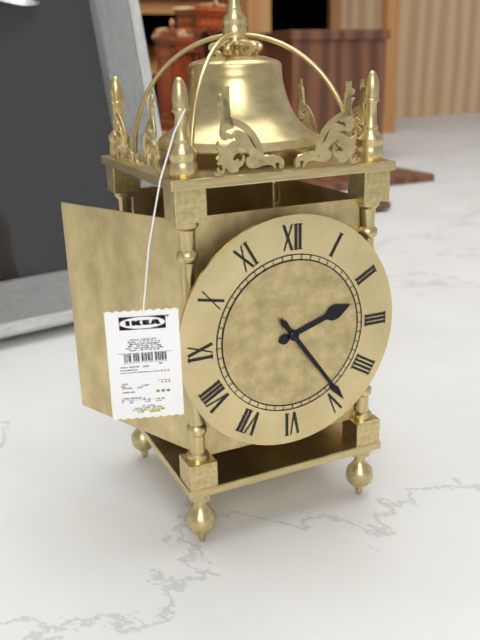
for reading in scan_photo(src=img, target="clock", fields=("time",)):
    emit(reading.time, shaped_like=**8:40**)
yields **2:24**
